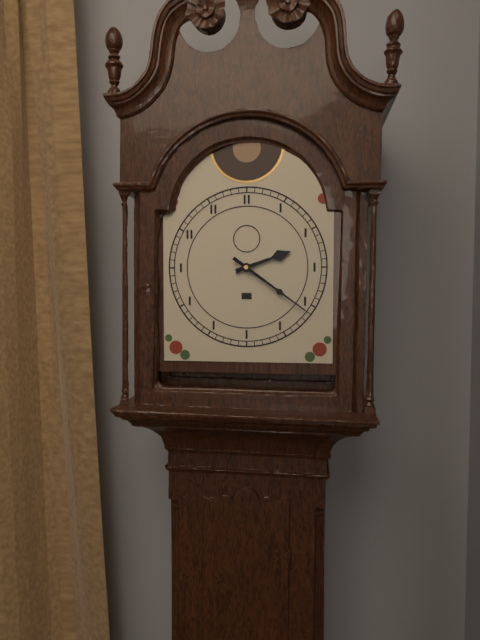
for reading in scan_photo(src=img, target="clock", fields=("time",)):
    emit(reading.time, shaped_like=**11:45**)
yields **2:21**
